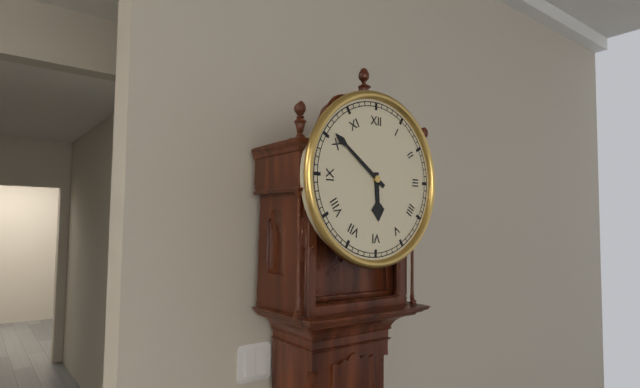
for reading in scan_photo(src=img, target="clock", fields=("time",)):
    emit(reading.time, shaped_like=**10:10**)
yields **5:51**
